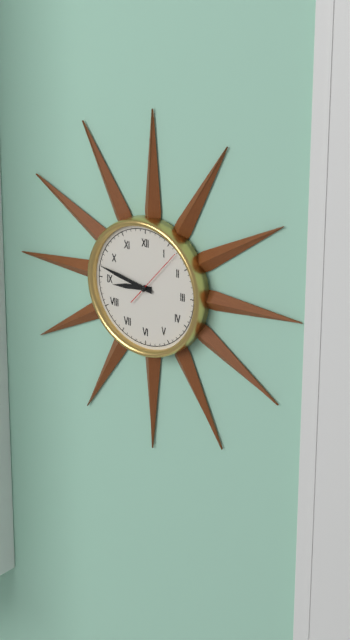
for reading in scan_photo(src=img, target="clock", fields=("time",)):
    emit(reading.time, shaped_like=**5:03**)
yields **8:47**
